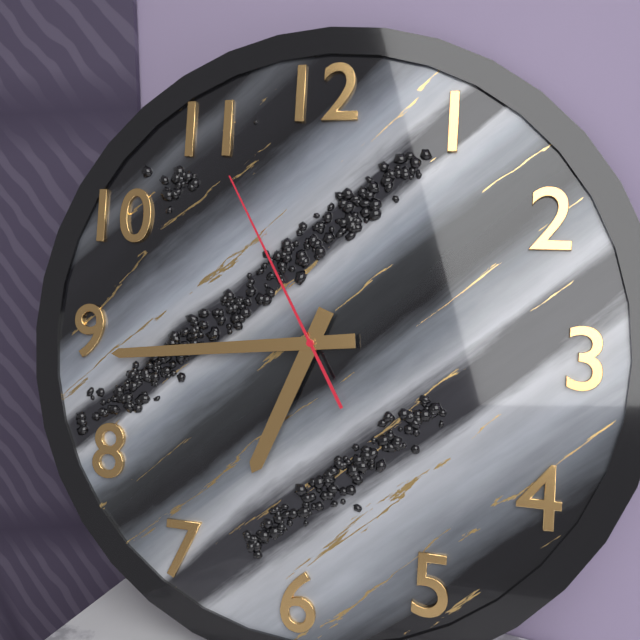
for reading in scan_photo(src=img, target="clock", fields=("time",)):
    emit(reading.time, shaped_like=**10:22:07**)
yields **6:44:55**
